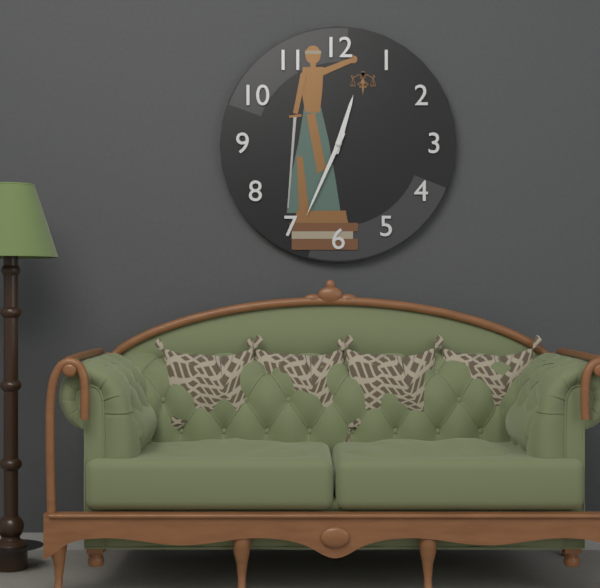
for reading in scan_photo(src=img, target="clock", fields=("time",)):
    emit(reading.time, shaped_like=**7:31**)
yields **12:34**
